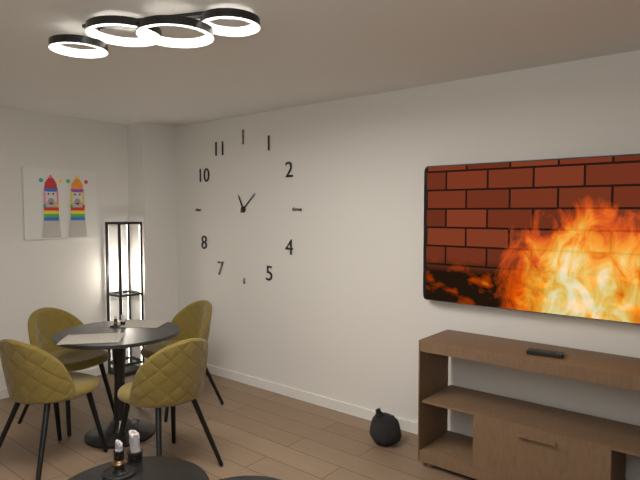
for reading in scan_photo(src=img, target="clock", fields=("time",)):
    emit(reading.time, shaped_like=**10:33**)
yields **11:08**
